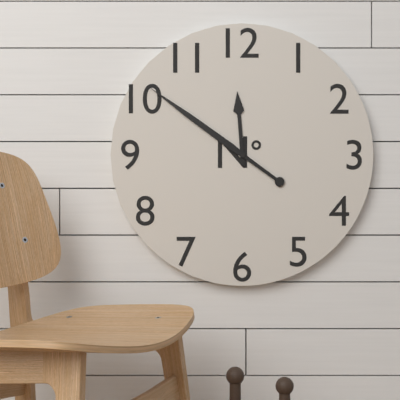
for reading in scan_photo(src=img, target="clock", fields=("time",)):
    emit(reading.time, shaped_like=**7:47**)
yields **11:51**
